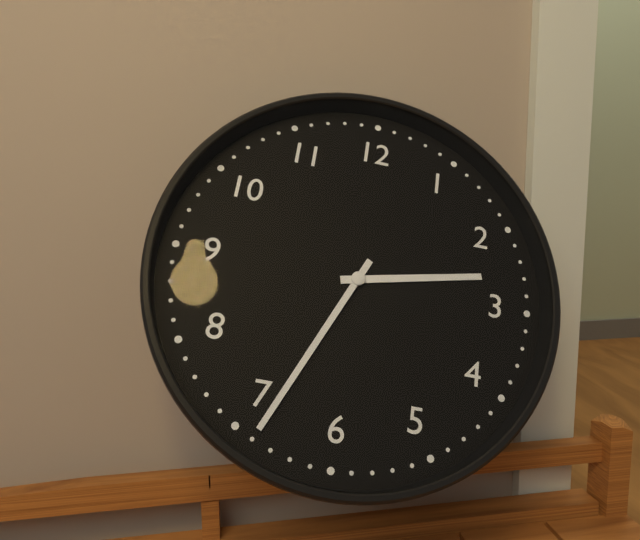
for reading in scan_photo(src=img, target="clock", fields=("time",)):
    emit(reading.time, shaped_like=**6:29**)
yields **2:34**
